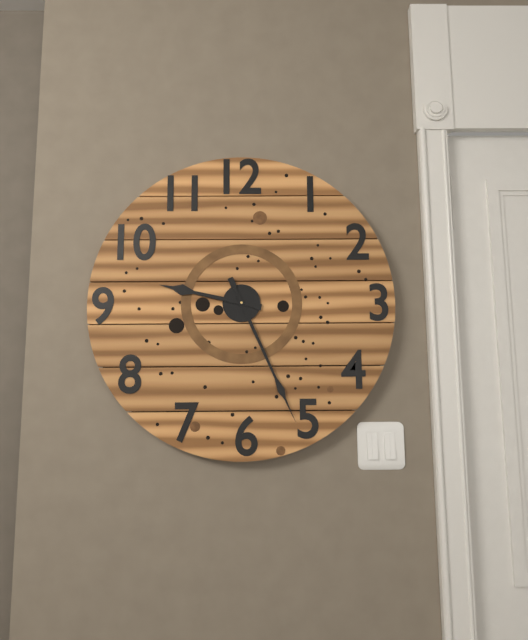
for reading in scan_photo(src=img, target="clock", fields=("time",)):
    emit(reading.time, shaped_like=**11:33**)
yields **9:26**
